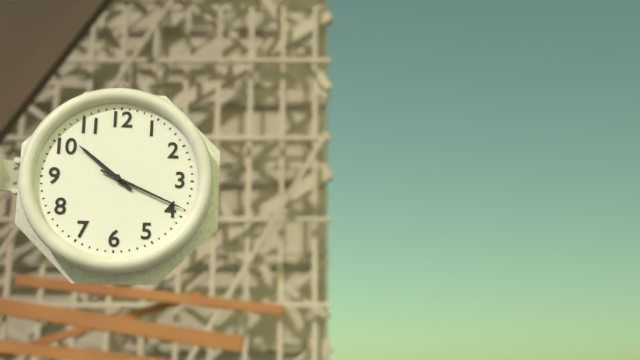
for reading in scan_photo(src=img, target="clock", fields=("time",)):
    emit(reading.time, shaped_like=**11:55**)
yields **10:19**
